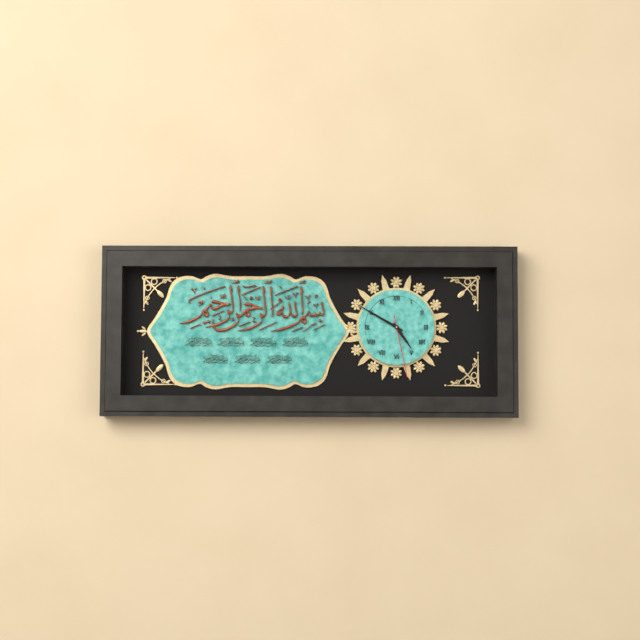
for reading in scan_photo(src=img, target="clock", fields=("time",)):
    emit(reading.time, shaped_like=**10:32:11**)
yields **4:50:28**
